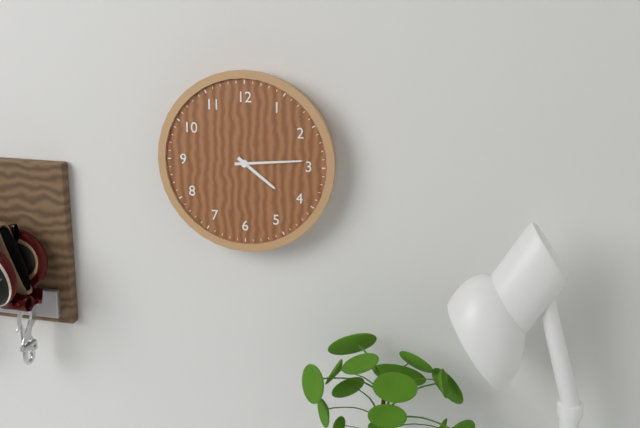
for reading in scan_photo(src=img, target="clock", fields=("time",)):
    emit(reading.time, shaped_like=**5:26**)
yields **4:14**
